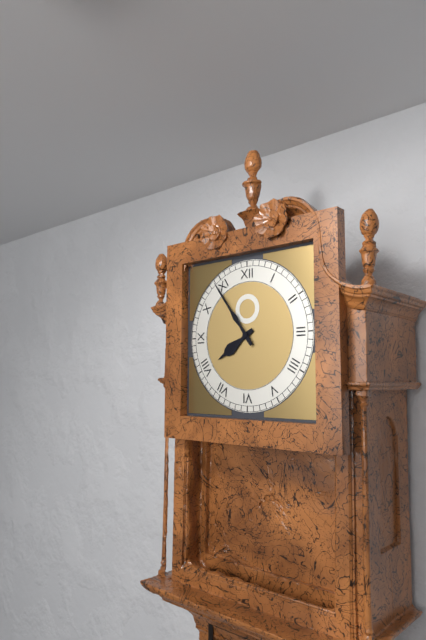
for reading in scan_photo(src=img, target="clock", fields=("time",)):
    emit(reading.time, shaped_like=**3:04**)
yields **7:54**
